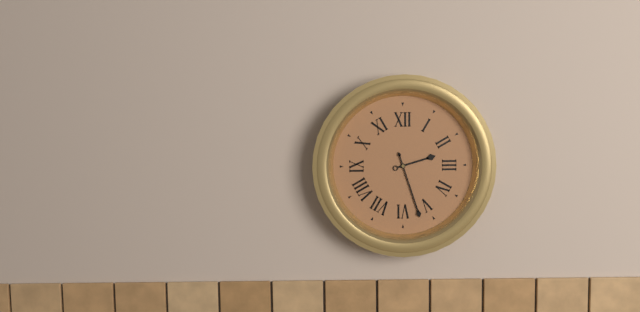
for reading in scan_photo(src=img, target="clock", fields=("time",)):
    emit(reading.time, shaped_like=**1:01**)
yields **2:27**
